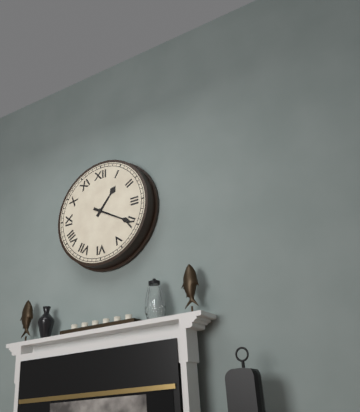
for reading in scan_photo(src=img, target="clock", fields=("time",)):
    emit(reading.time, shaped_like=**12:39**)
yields **1:20**
